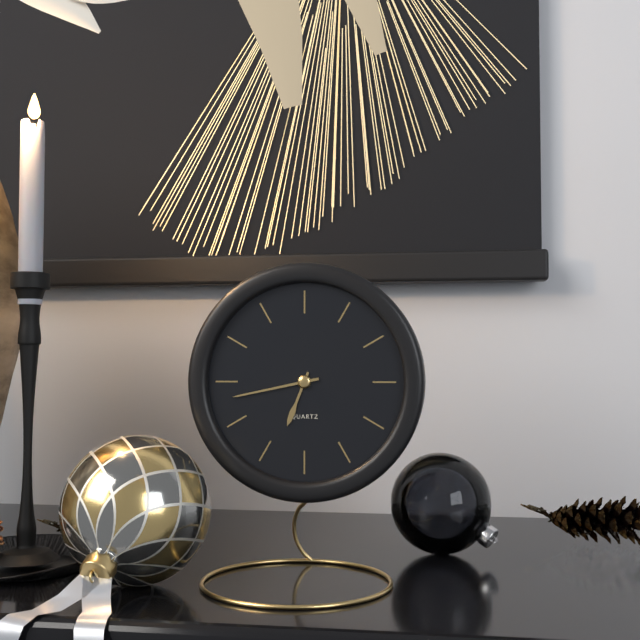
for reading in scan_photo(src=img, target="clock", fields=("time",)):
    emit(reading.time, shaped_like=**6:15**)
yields **6:43**
